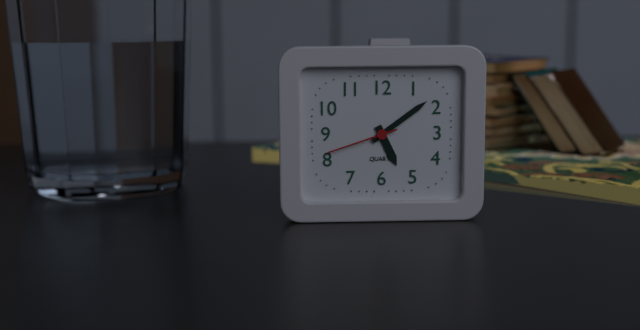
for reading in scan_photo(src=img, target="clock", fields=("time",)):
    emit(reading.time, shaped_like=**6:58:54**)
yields **5:09:42**
